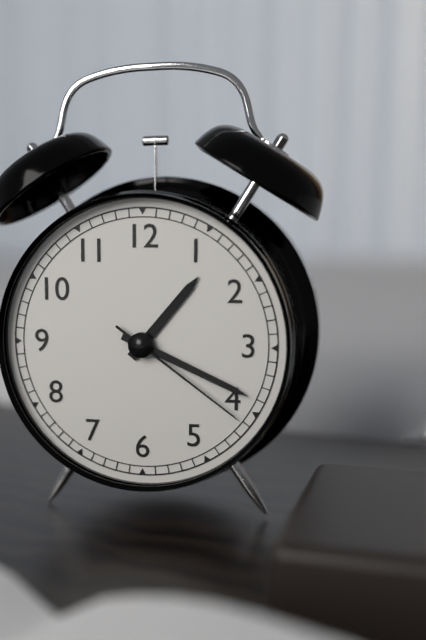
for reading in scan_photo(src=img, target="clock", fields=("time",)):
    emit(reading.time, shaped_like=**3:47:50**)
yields **1:19:21**
